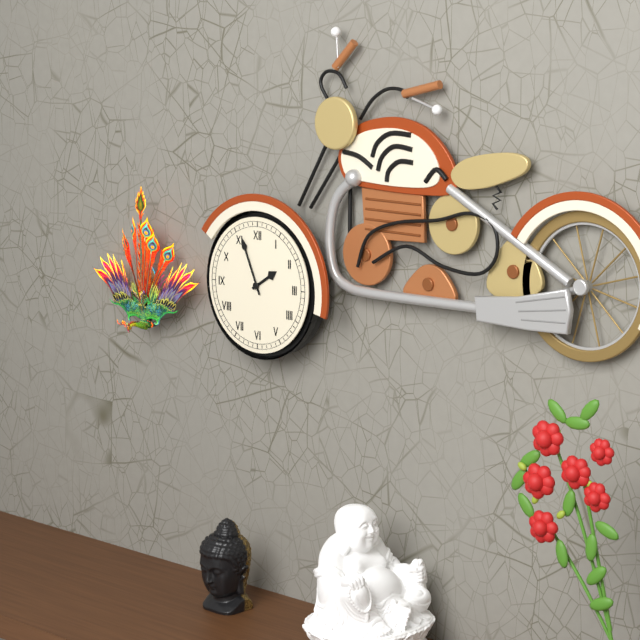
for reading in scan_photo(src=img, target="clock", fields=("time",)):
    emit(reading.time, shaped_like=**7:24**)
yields **1:56**
